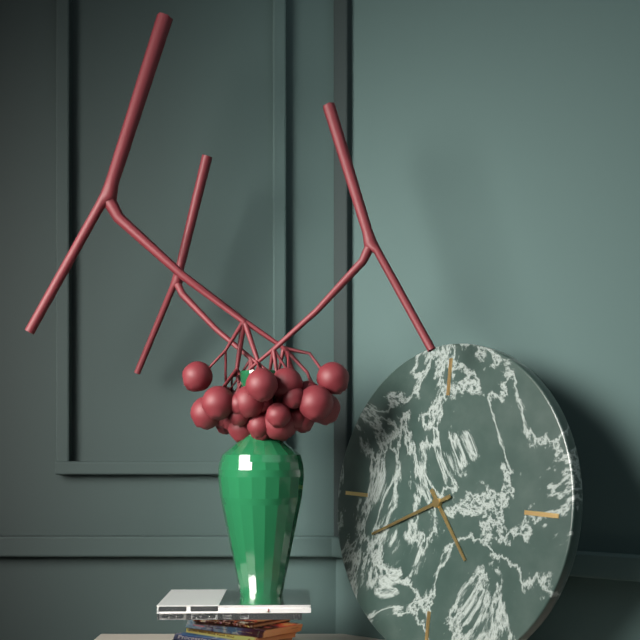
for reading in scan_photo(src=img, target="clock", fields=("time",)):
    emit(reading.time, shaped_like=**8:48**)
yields **4:41**
